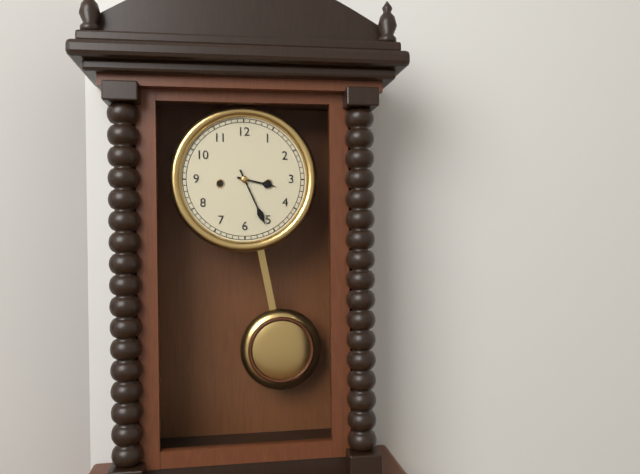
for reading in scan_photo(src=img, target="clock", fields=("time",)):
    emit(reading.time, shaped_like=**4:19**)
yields **3:26**
